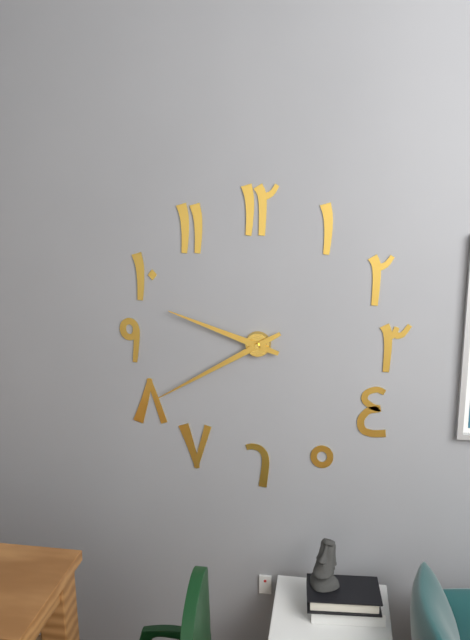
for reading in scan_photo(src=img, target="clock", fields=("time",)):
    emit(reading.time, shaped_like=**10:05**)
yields **9:40**
